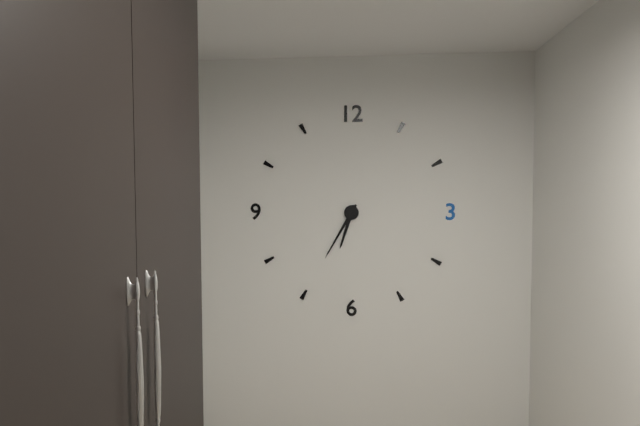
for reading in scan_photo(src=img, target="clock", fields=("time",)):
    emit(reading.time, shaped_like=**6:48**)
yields **6:35**
